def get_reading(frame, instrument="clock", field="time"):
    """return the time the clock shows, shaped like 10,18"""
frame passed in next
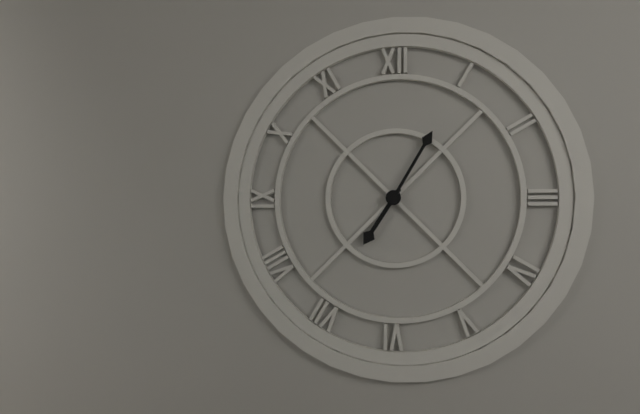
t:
7,05
